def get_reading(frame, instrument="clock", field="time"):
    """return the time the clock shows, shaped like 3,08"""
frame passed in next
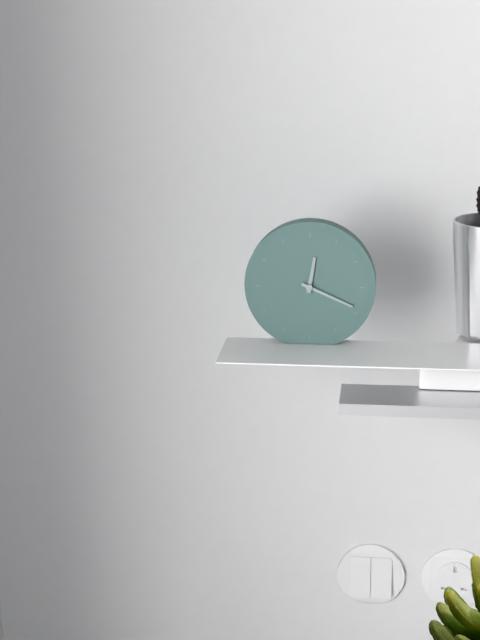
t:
12,19
